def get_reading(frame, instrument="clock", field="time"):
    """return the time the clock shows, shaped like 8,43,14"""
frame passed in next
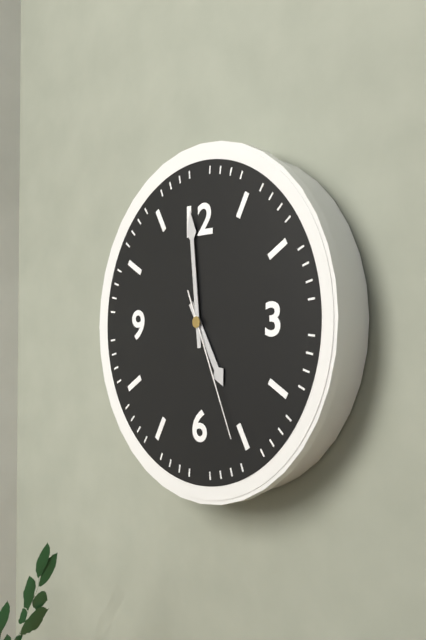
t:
4,59,26
